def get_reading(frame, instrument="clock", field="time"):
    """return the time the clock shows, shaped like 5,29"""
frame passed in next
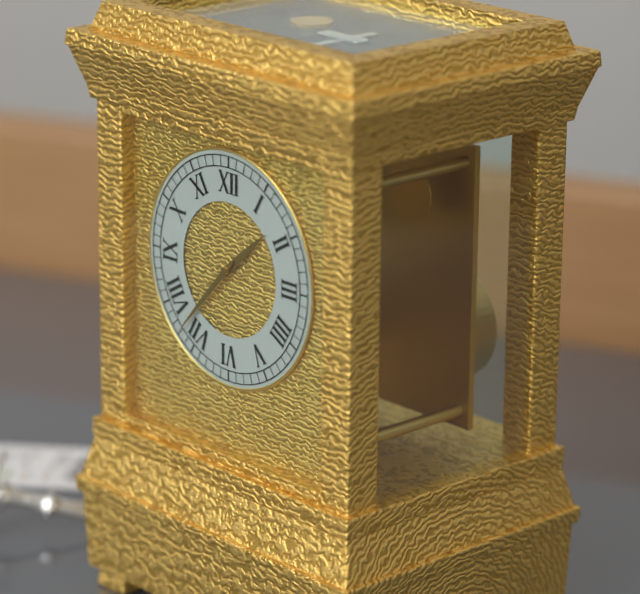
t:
1,37
